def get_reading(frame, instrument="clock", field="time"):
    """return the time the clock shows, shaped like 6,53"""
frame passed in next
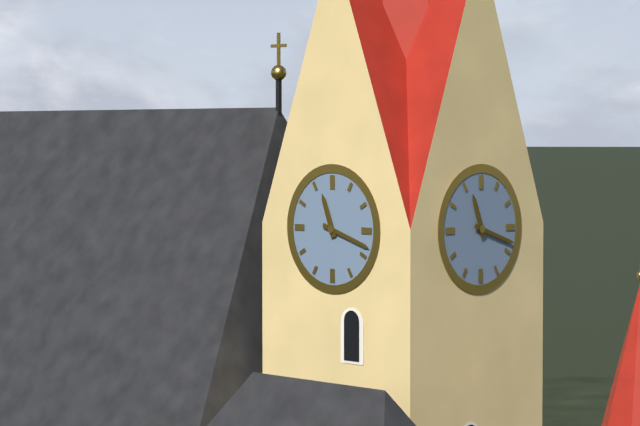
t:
11,18
